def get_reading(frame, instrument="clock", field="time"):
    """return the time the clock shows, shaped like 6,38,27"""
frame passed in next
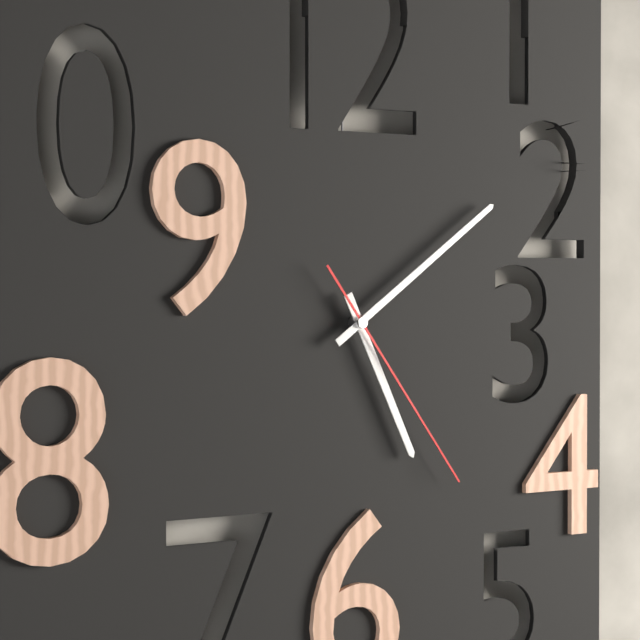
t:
5,09,24
